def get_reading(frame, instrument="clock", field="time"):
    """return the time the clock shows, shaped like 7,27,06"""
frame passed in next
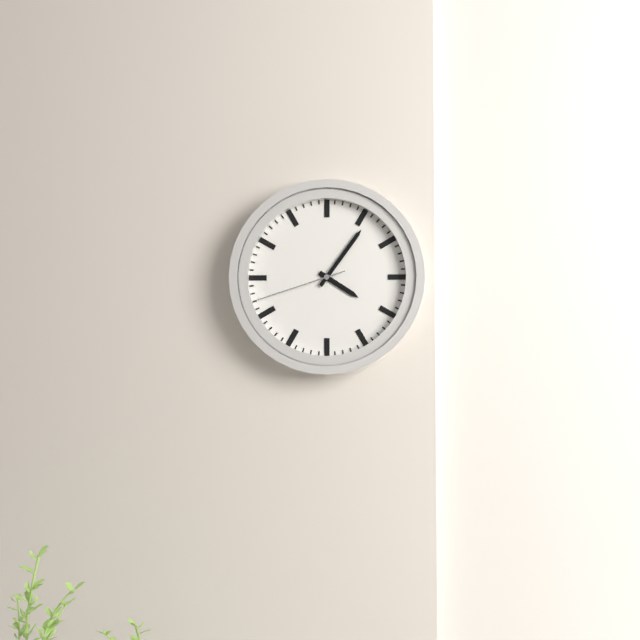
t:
4,06,42
